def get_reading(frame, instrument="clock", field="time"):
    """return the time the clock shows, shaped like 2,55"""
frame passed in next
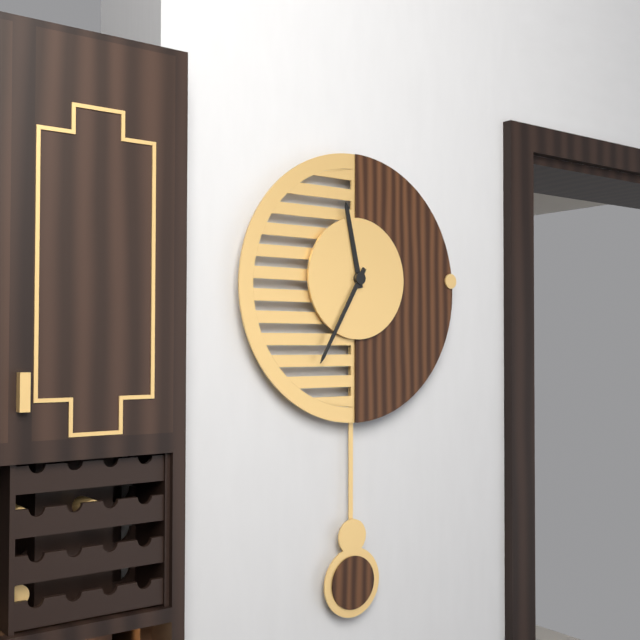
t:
11,35
